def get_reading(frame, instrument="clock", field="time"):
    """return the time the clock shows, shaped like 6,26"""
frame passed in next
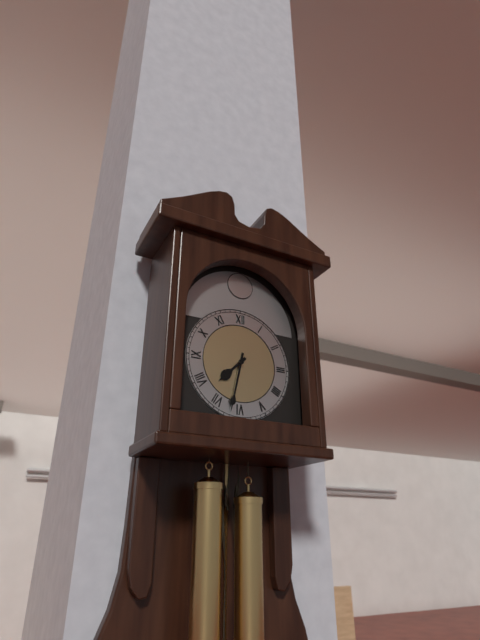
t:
7,32
